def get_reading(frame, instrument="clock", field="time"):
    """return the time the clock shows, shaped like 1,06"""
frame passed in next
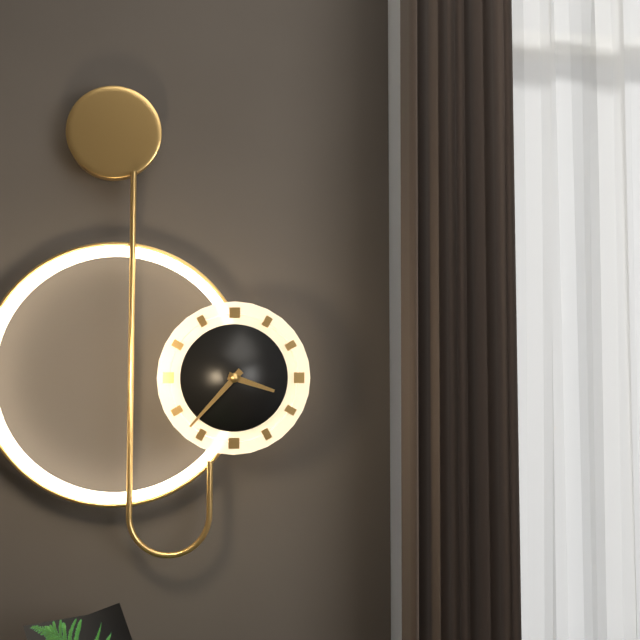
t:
3,37
